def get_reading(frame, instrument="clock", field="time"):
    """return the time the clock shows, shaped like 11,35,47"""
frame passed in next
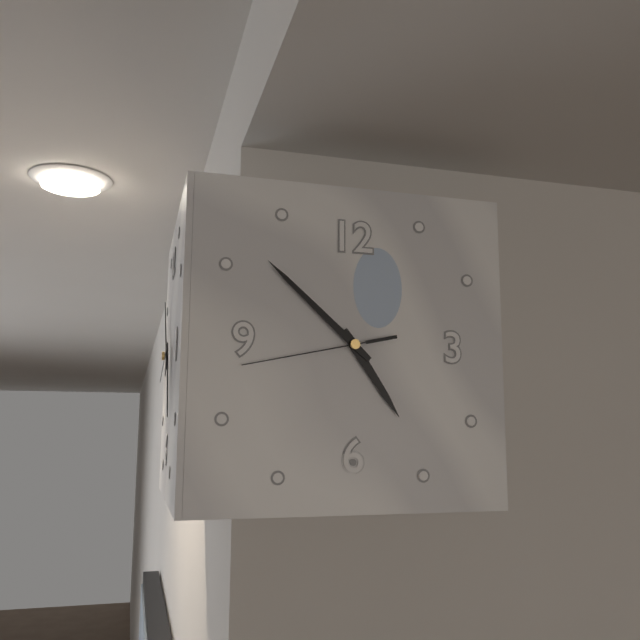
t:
4,52,43
